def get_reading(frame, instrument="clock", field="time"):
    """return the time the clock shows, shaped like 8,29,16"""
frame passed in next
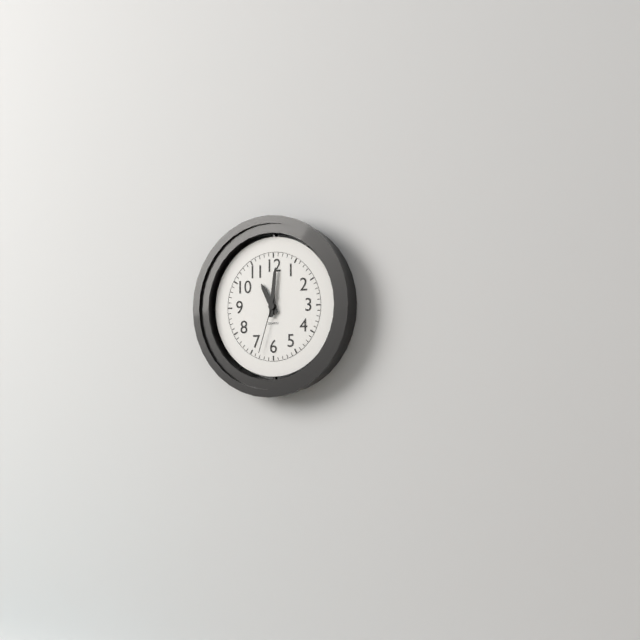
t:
11,01,33
